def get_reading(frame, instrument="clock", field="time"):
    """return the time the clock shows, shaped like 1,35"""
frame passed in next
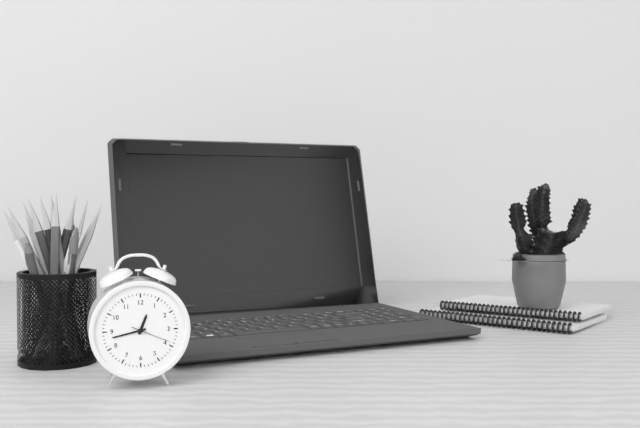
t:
12,43
